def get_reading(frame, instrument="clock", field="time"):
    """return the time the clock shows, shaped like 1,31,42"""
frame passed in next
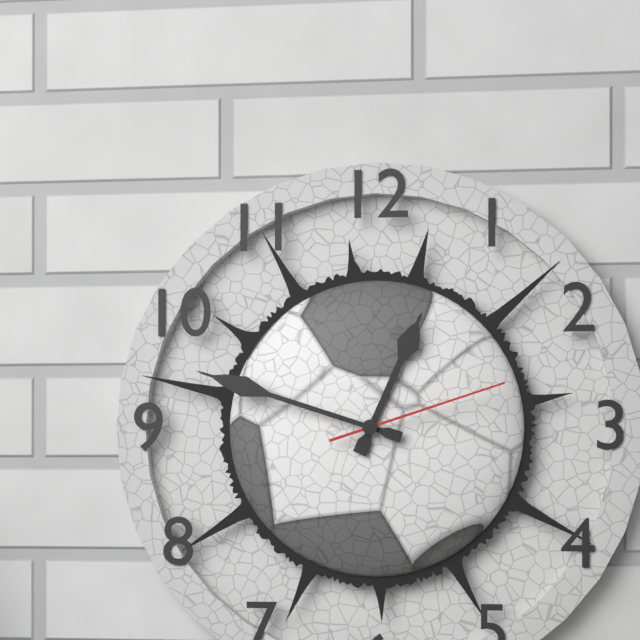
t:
12,48,12
